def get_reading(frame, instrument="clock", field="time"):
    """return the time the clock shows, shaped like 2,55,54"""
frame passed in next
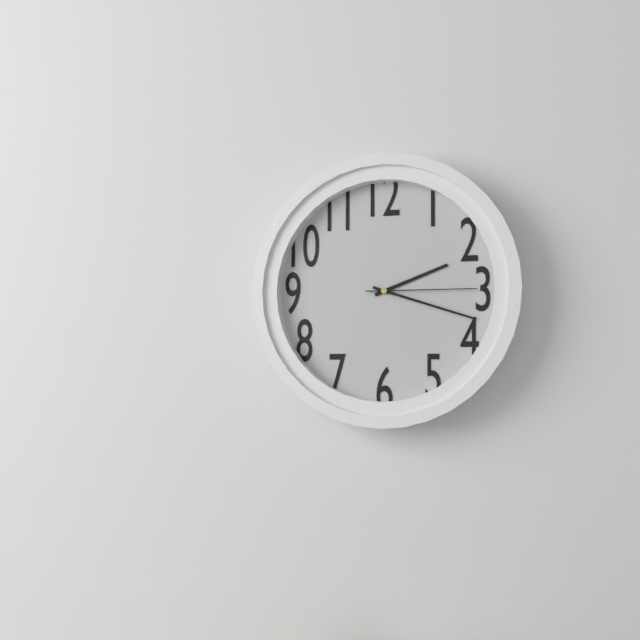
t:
2,18,15
